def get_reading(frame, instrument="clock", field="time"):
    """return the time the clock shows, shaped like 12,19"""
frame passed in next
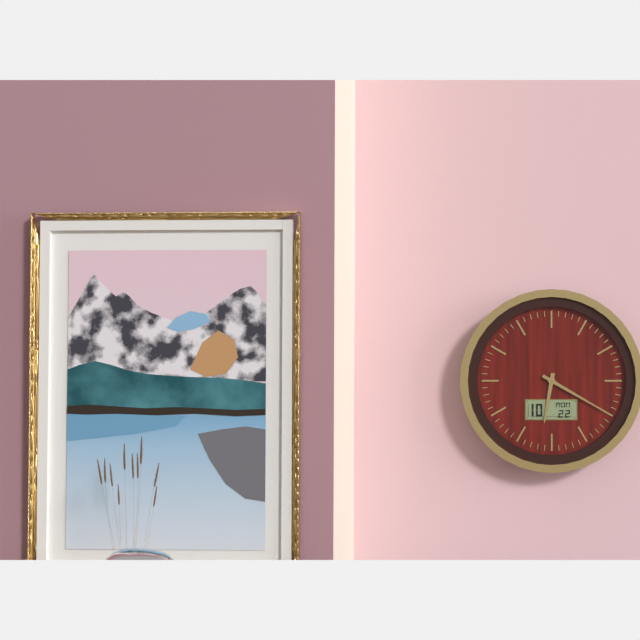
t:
6,20
